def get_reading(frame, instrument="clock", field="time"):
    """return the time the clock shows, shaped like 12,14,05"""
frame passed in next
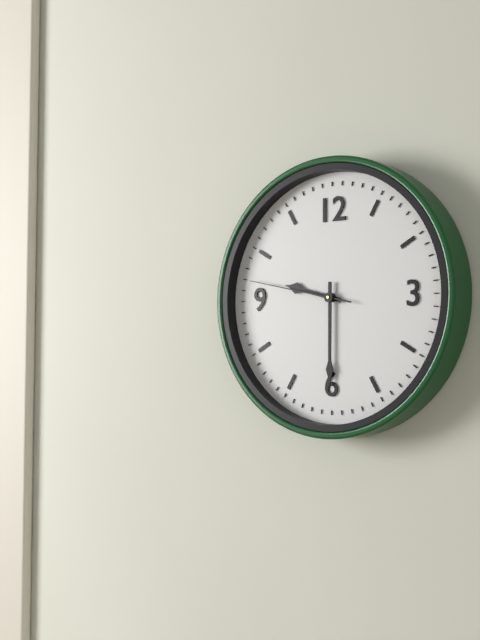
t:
9,30,47
